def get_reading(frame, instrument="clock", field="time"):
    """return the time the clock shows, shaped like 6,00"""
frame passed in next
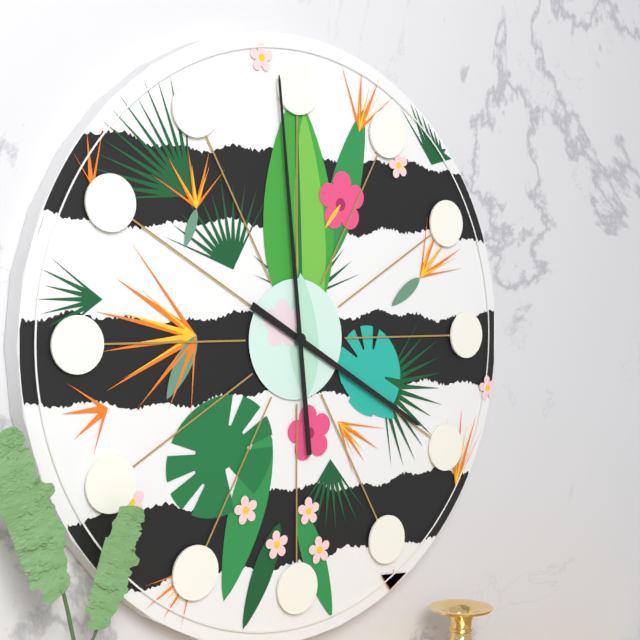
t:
3,59
